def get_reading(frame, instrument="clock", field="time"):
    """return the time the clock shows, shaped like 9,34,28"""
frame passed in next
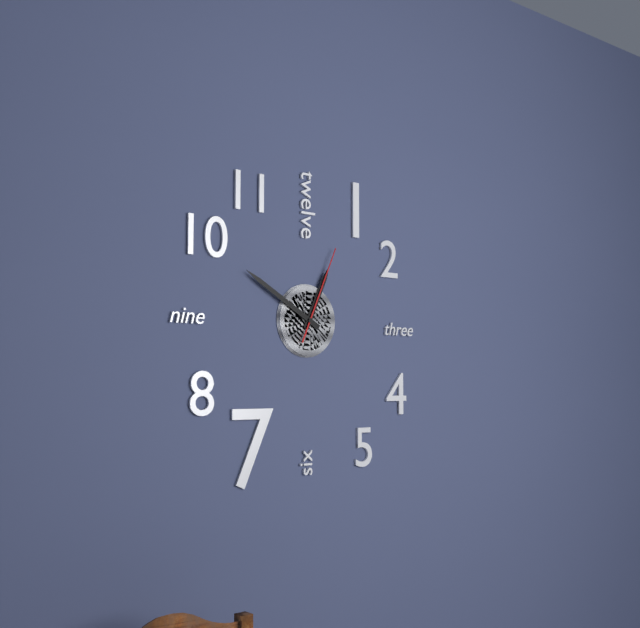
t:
12,50,04
